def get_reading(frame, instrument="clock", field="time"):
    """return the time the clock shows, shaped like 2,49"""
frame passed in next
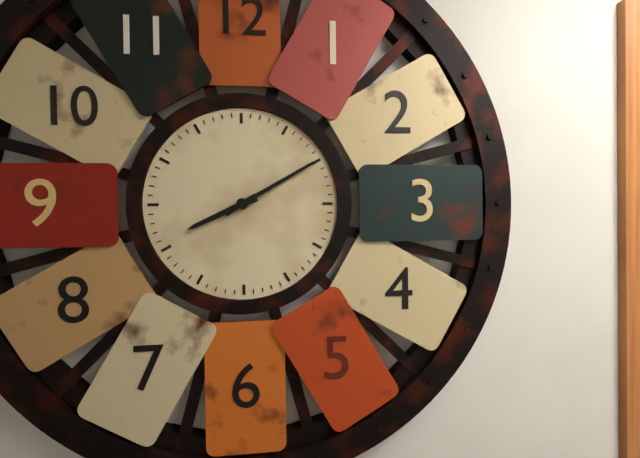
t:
8,10
